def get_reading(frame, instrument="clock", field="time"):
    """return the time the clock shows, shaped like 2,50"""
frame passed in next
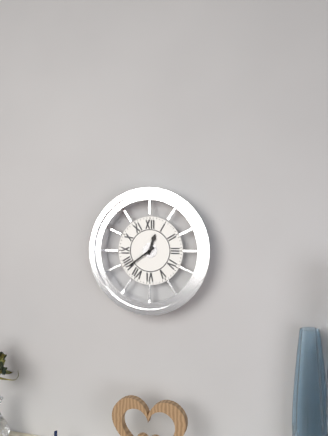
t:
12,39
